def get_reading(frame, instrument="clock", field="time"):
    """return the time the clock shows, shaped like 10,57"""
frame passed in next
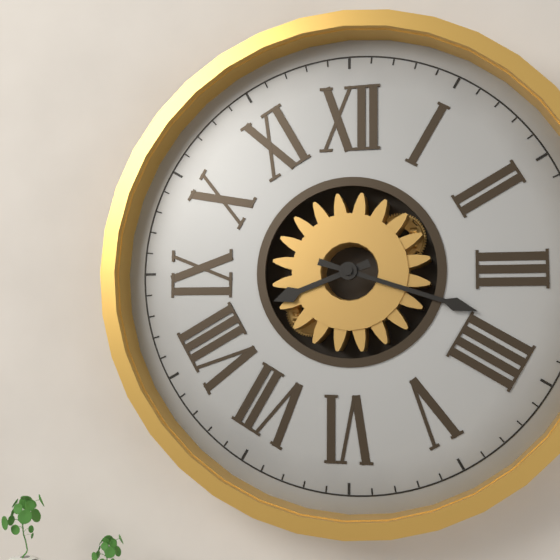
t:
8,18
